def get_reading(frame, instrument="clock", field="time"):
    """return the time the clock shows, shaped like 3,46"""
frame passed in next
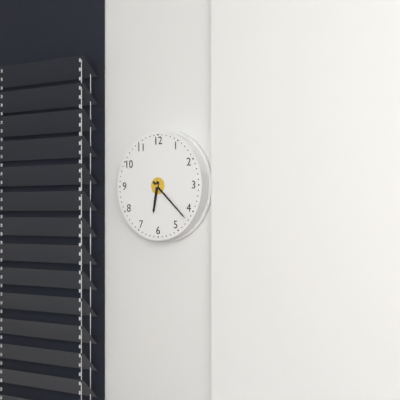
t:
6,22
